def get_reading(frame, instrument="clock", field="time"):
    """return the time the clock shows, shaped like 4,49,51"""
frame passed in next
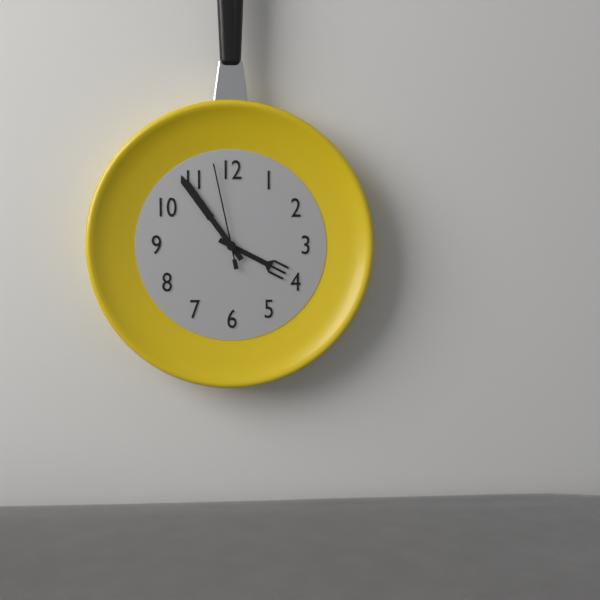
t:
3,54,58
